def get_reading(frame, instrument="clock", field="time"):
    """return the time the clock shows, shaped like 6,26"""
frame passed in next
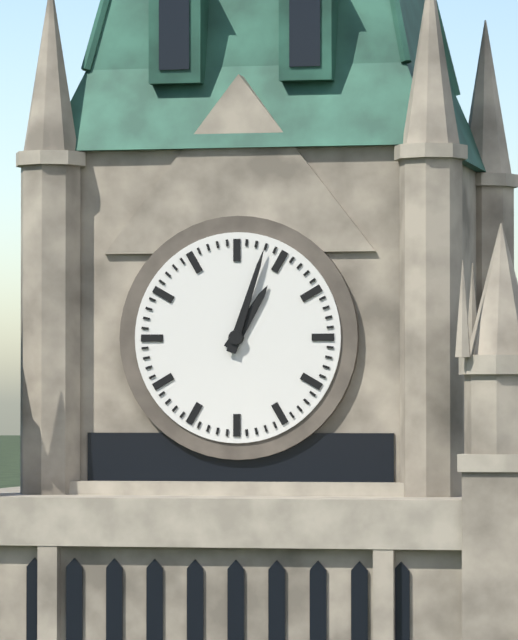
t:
1,03
